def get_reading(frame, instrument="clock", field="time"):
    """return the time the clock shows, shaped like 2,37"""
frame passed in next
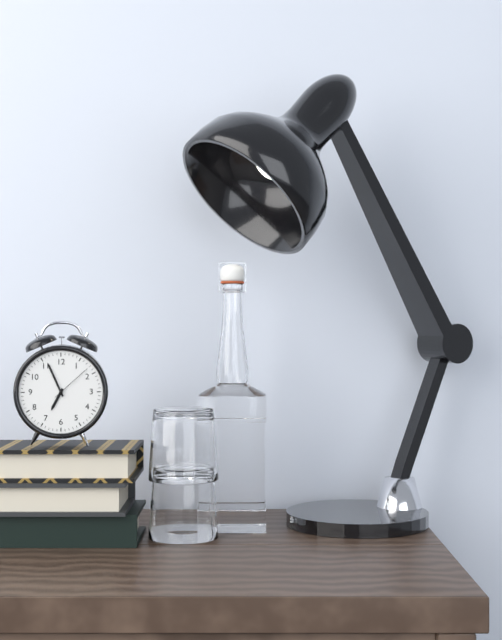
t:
6,56
